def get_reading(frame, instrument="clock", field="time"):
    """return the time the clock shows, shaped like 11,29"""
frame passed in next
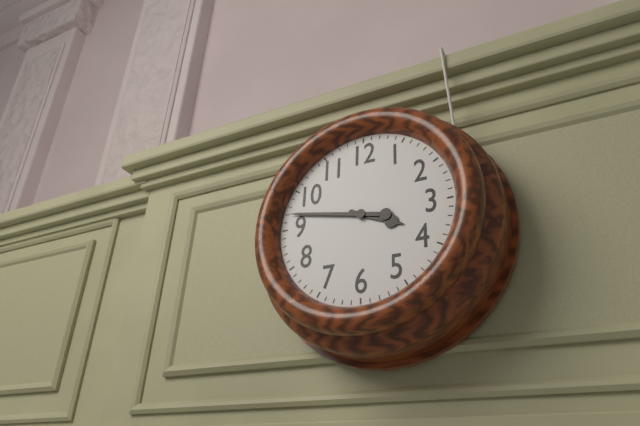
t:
3,47
